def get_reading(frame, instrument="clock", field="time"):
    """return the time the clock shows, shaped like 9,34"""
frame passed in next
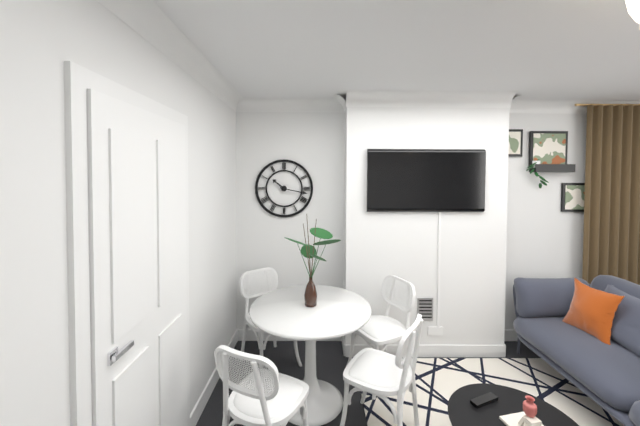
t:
10,17
